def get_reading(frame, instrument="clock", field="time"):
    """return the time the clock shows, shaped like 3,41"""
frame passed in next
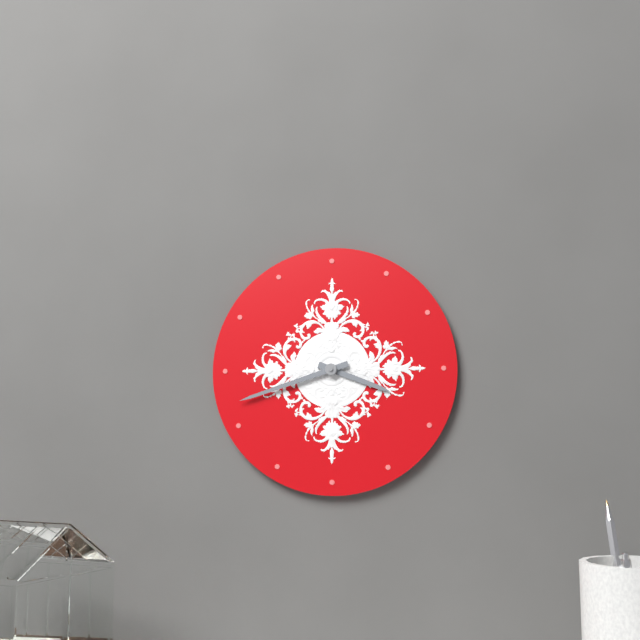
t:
3,42
